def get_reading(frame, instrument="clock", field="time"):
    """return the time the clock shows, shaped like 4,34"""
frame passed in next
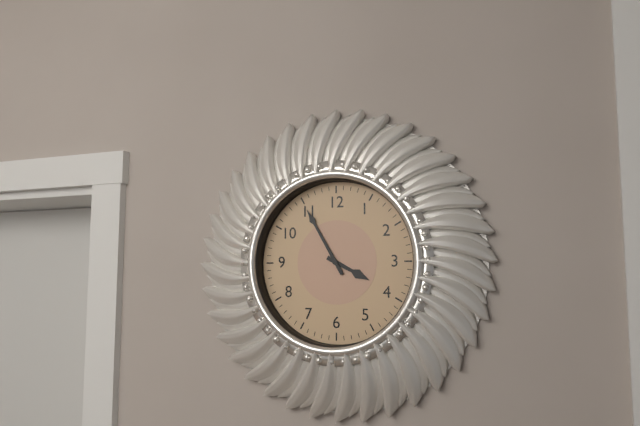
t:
3,55
